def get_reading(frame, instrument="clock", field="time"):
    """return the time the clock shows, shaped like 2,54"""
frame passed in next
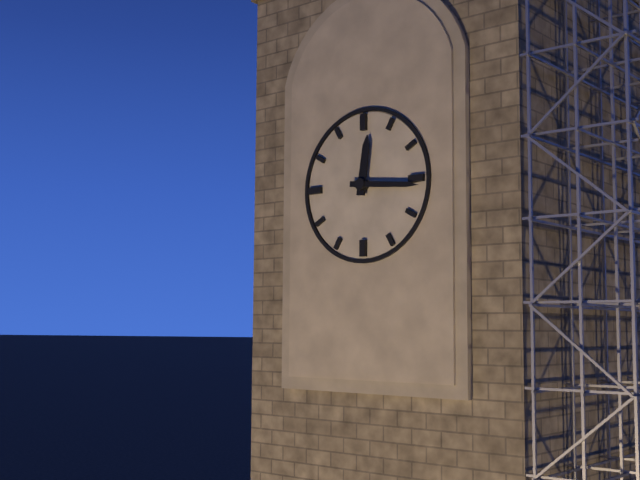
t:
12,16
